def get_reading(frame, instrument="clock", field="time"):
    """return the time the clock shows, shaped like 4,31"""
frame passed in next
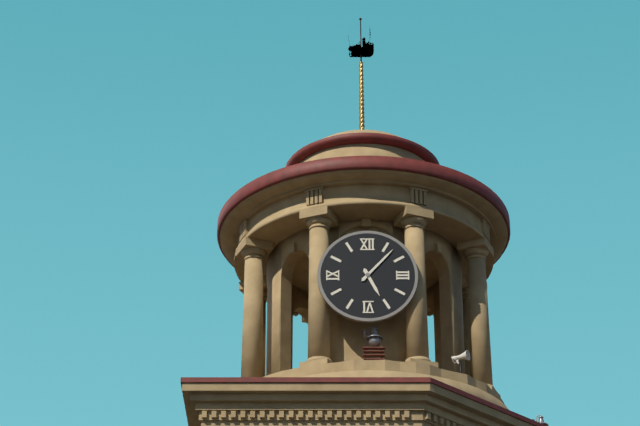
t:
5,07
